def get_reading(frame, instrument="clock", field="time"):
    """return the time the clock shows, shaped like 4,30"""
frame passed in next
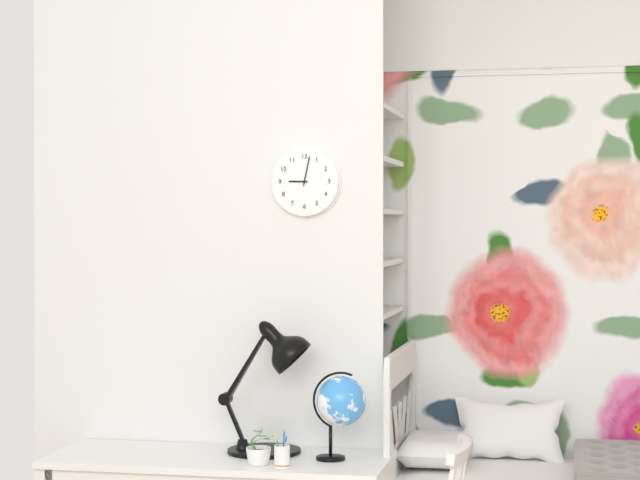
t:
9,02
